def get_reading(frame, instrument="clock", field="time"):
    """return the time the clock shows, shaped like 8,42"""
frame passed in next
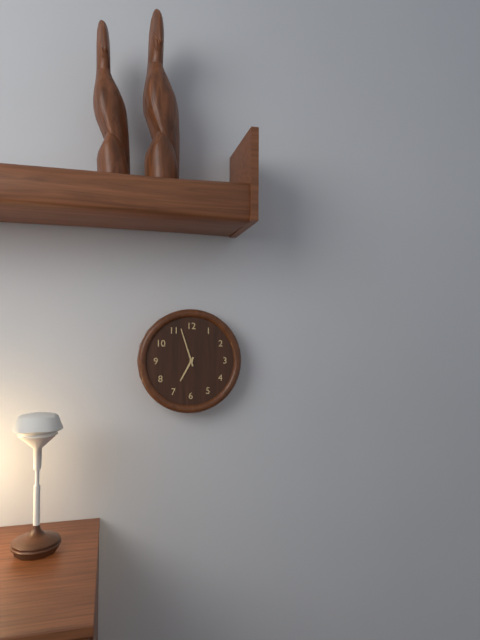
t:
6,57
